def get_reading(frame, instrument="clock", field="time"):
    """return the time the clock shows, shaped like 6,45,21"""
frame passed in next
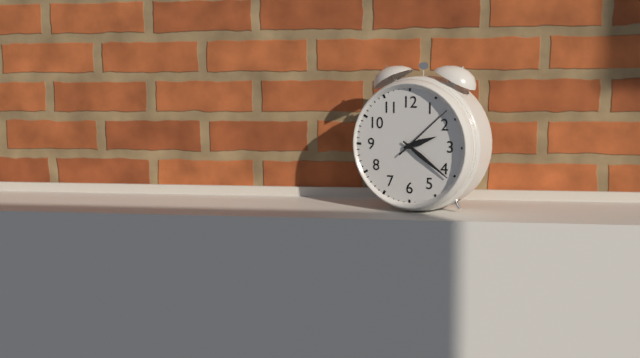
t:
2,21,08
